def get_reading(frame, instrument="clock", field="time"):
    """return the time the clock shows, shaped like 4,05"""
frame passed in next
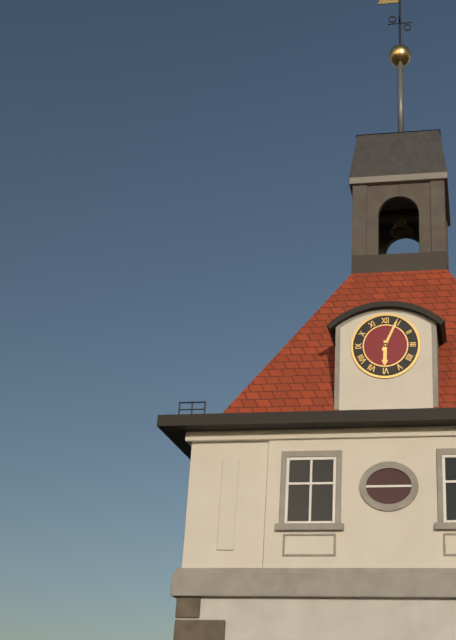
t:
6,04
